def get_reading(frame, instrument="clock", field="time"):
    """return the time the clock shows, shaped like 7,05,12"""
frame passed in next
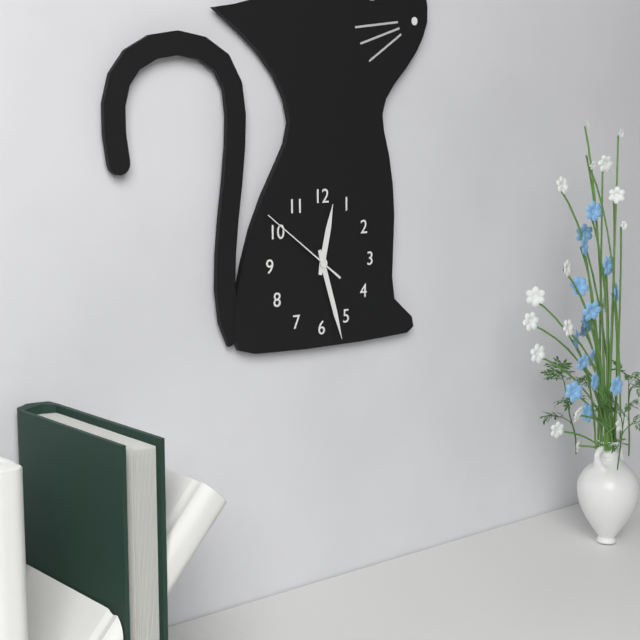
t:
12,27,51
